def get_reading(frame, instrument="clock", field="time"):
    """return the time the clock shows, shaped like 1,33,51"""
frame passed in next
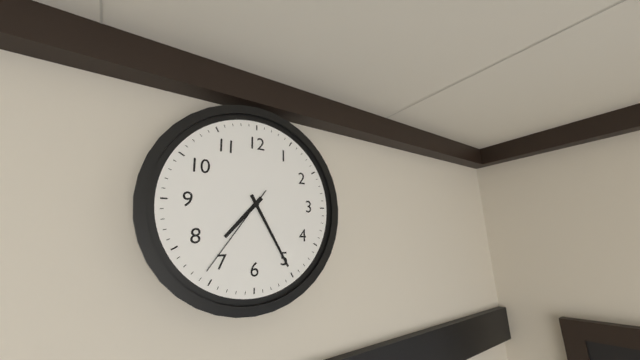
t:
7,25,36
